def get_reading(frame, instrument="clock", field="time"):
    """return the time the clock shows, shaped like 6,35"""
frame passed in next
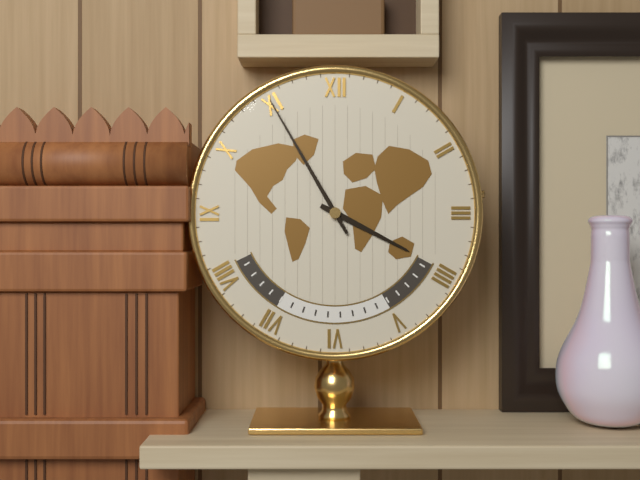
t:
3,55
